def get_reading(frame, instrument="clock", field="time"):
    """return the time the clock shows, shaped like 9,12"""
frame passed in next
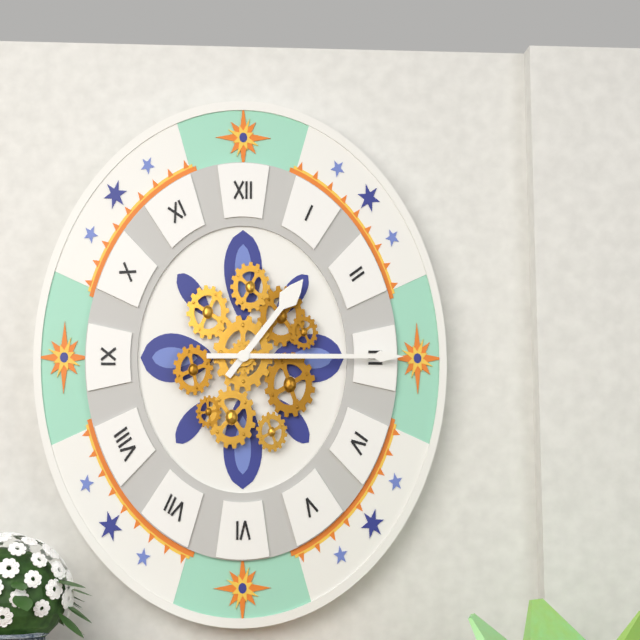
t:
1,15
